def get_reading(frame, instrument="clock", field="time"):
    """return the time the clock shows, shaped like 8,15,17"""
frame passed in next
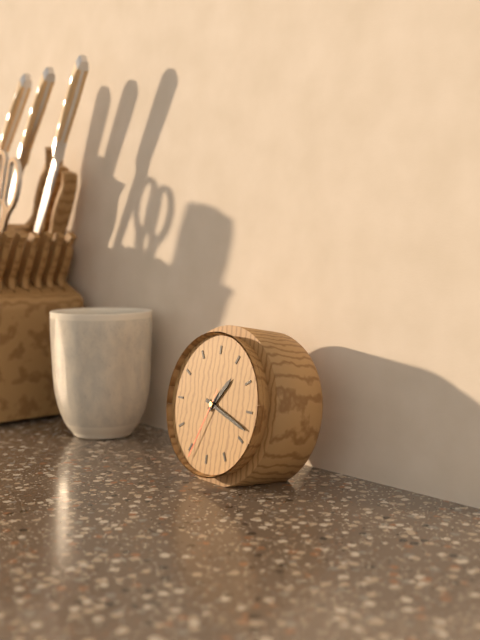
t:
1,18,34
